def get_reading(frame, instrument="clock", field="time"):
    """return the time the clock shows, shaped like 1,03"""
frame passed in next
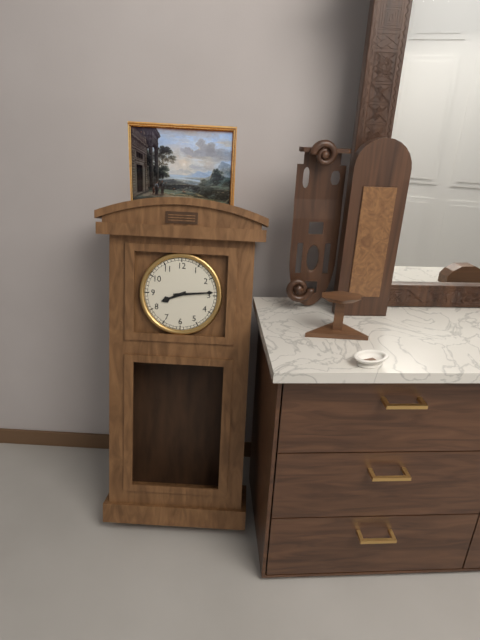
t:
8,14
